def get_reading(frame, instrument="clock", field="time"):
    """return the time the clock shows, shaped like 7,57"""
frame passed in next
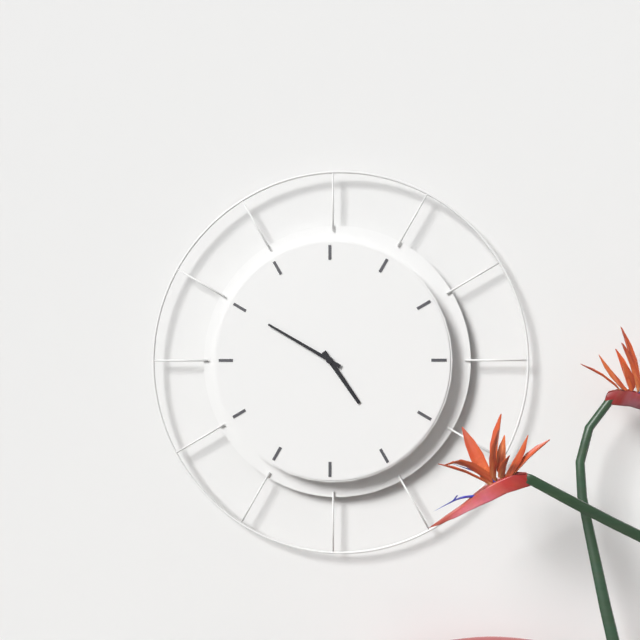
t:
4,50
